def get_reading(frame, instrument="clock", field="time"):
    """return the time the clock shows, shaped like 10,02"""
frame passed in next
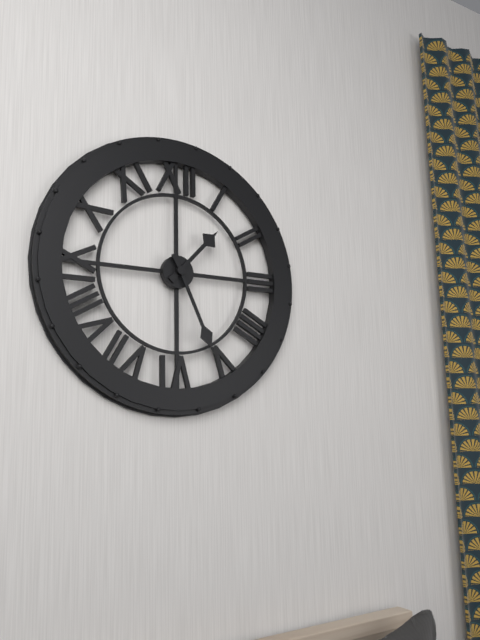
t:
1,26
